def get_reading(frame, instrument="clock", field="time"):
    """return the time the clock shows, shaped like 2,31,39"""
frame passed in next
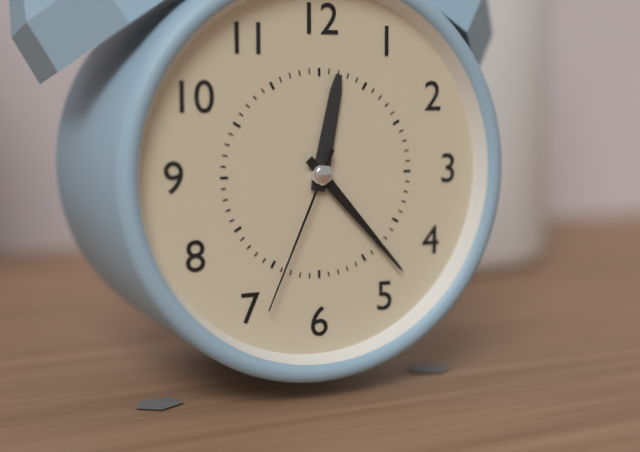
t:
12,23,34
